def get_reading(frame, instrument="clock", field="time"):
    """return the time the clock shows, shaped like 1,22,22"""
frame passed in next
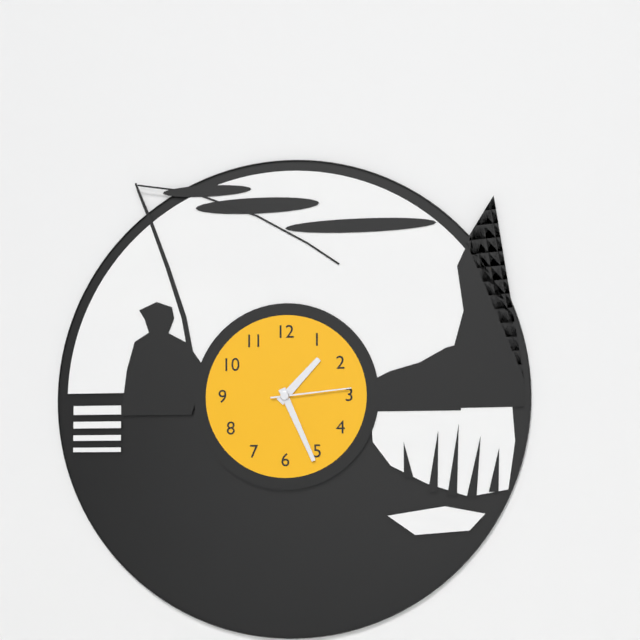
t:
1,26,14
